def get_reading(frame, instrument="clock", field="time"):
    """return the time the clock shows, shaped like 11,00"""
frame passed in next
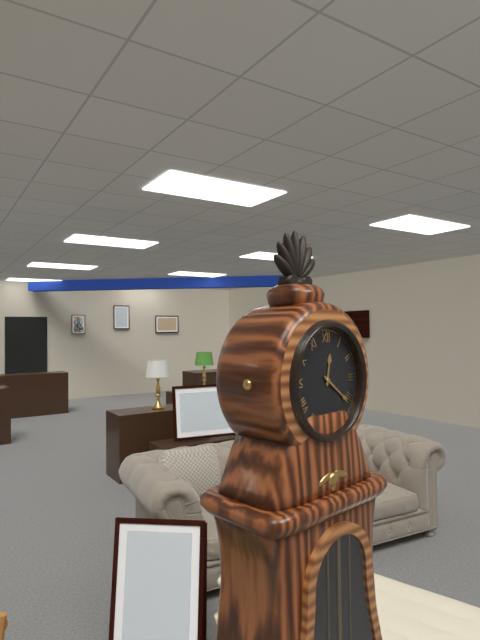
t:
12,21
